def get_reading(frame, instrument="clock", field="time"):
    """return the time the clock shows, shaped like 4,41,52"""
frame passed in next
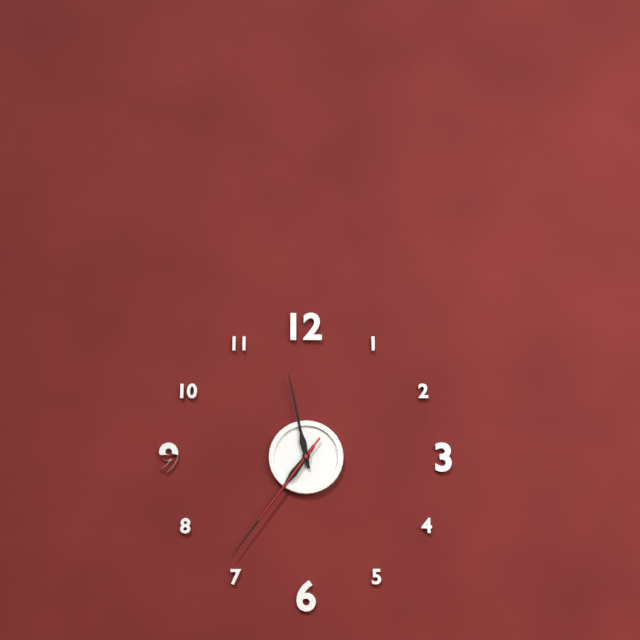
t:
11,36,36
